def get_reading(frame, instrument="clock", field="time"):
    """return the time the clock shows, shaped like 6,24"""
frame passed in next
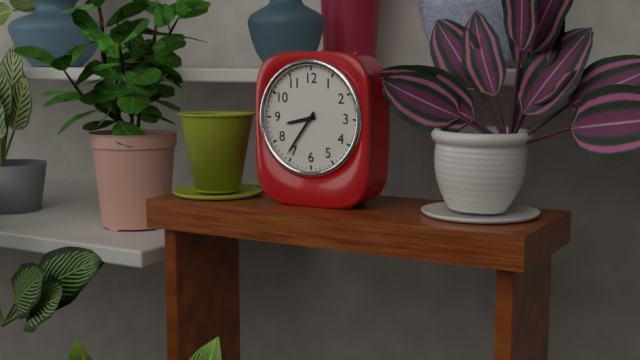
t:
8,36
